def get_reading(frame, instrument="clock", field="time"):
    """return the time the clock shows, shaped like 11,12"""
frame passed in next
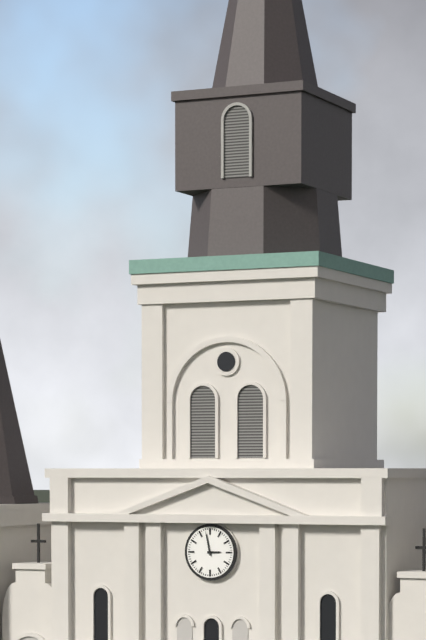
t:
2,58
